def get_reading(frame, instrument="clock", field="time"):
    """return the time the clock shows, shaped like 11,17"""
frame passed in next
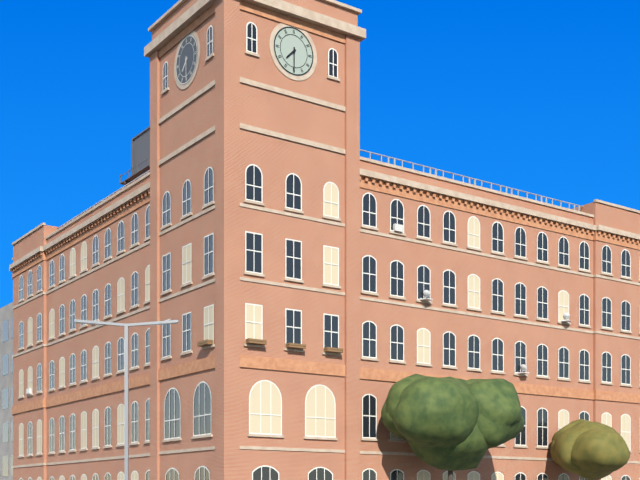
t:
7,30
